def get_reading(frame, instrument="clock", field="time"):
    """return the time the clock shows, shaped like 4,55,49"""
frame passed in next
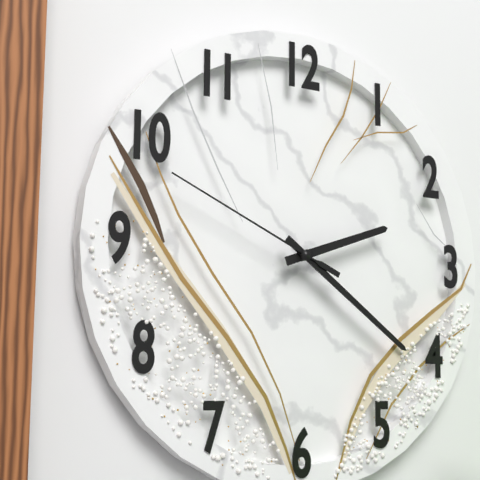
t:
2,21,49
